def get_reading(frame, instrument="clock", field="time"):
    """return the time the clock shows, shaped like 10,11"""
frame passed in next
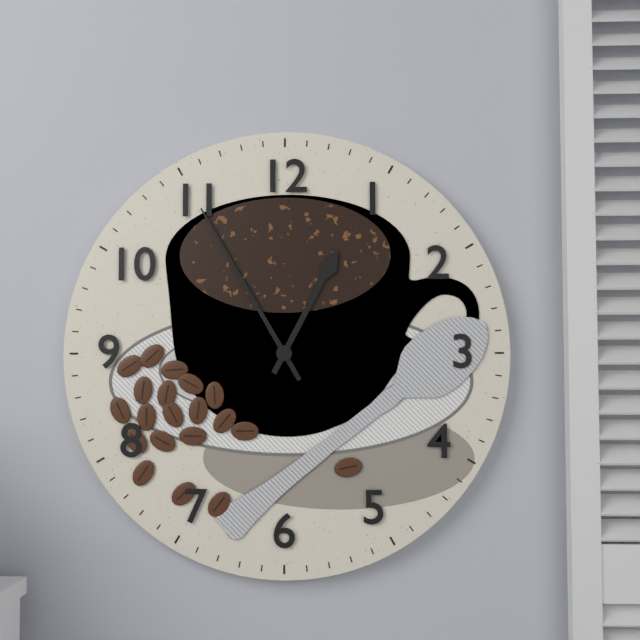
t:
12,55
